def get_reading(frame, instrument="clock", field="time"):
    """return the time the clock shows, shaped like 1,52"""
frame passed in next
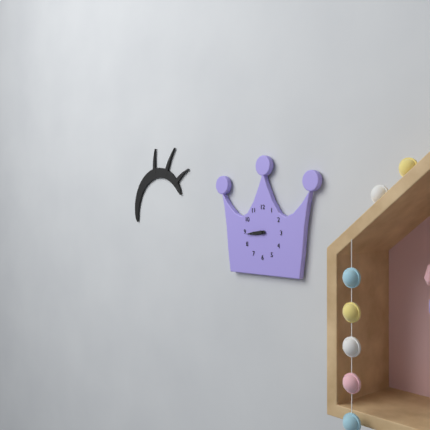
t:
8,44
